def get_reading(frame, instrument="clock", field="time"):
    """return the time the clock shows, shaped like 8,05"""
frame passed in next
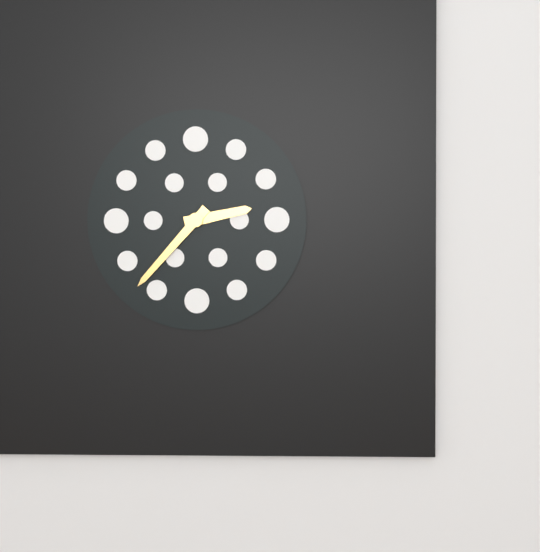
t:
2,37
